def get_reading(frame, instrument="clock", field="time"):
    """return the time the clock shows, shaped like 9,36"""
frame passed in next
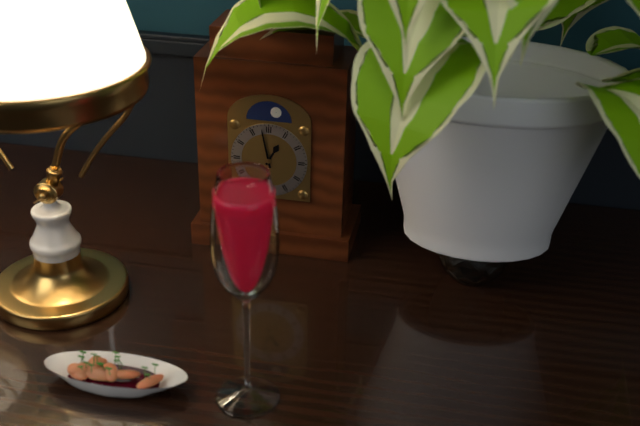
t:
12,58
